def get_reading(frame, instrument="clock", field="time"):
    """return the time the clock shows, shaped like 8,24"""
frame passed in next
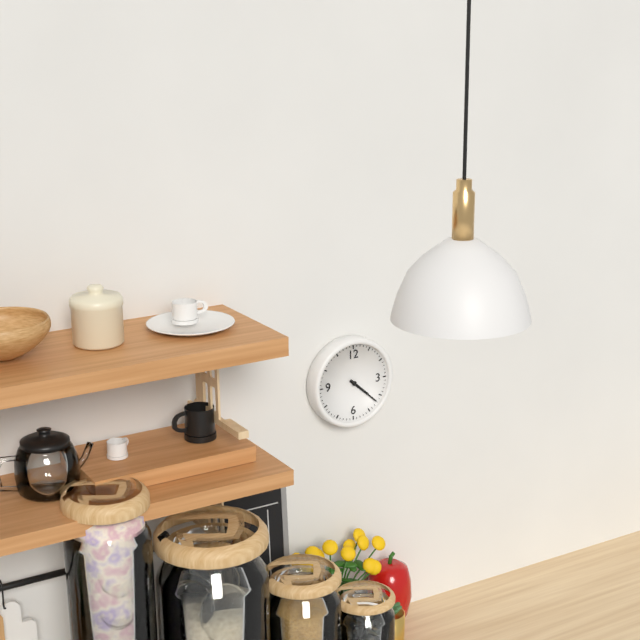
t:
4,22
